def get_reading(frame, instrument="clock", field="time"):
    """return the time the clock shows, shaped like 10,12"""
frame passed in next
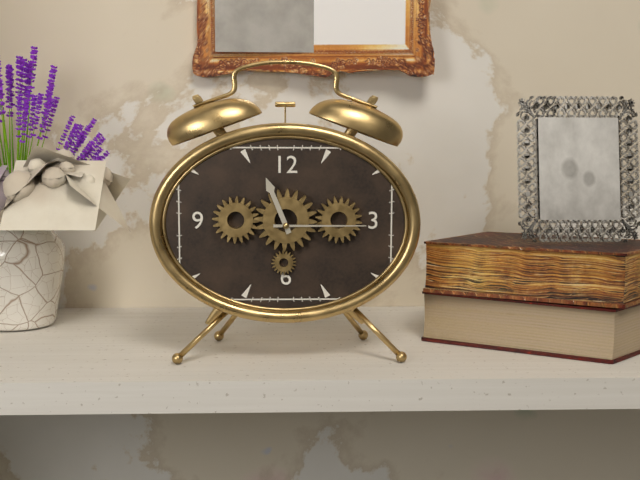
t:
11,15
